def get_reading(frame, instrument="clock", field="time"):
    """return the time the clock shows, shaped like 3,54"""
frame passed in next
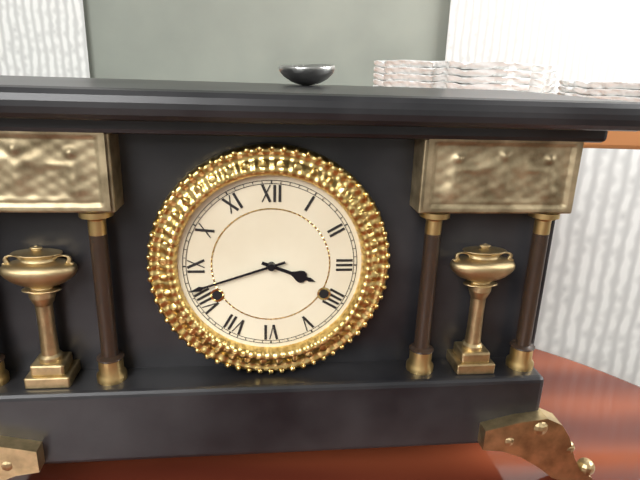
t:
3,42
